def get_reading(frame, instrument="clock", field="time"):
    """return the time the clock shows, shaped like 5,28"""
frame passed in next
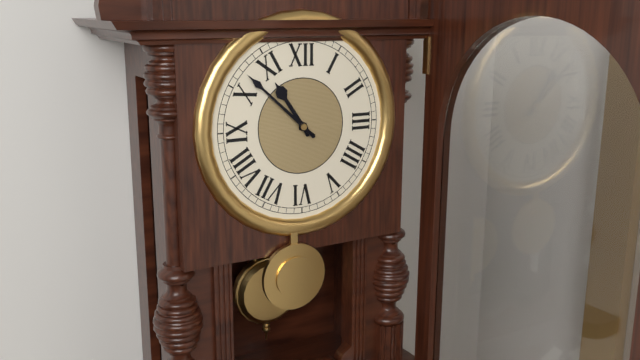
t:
10,52
